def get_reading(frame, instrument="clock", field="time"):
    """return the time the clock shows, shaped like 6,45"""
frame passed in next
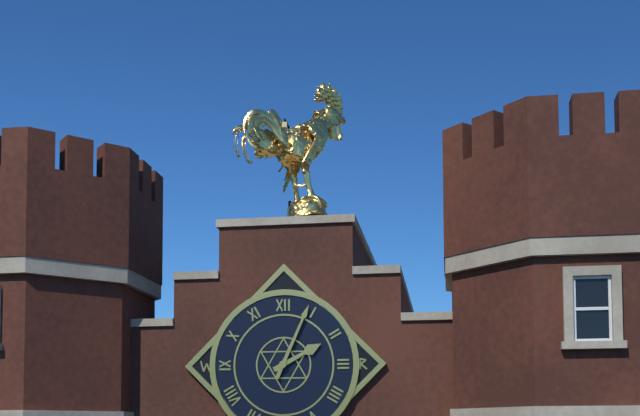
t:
2,04
